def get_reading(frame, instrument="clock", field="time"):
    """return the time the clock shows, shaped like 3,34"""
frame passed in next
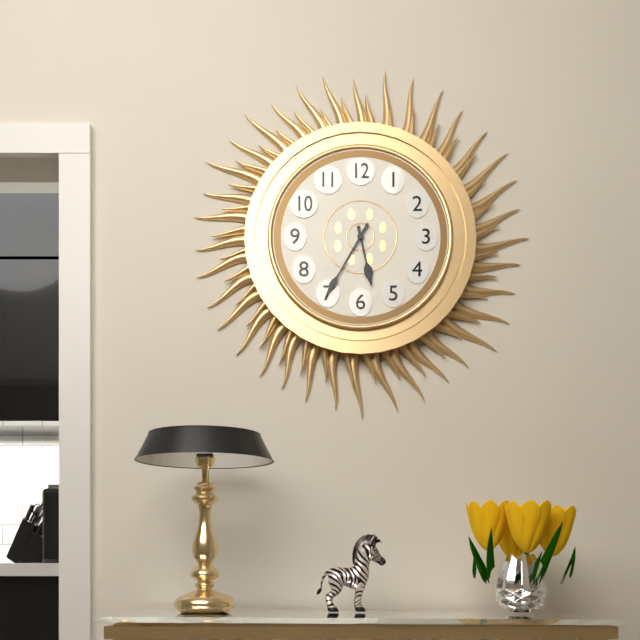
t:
5,35
